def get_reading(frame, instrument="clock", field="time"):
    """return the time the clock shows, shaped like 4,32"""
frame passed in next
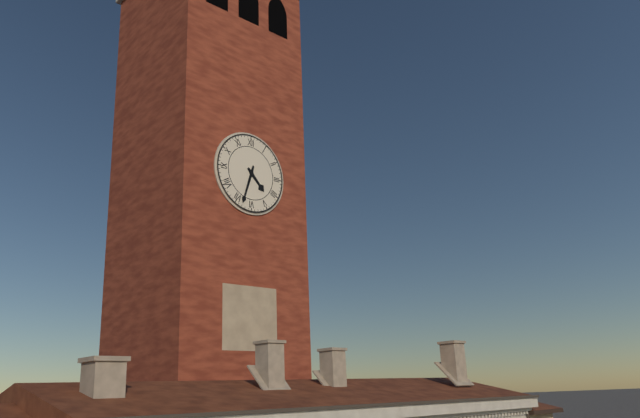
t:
4,33
